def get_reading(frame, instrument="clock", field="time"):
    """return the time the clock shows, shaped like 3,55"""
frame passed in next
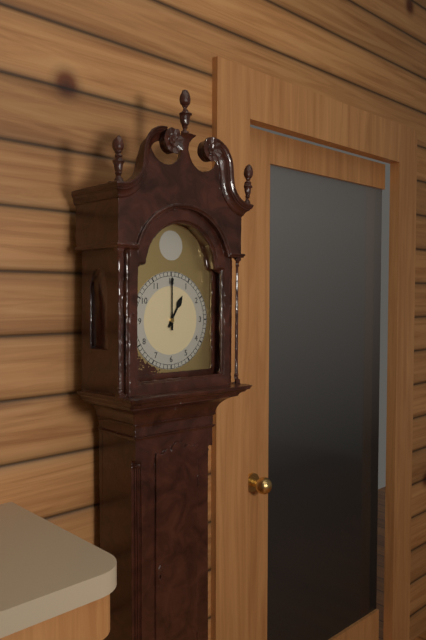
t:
1,00
